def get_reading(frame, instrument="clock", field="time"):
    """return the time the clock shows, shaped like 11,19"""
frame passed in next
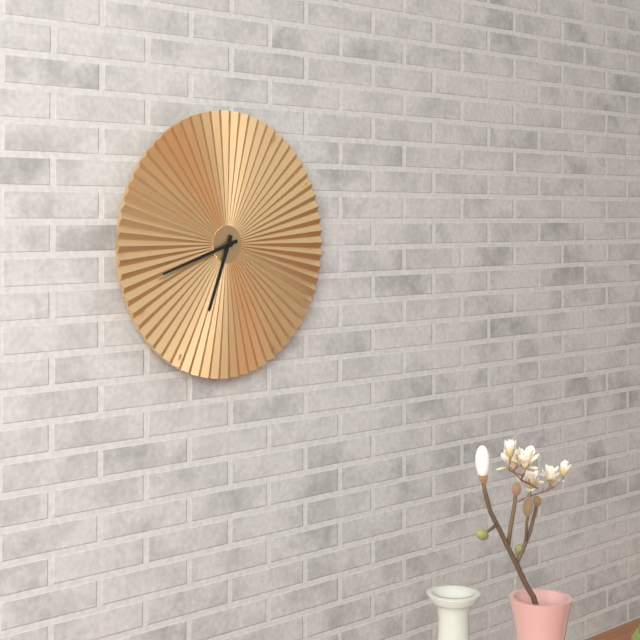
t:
6,42
